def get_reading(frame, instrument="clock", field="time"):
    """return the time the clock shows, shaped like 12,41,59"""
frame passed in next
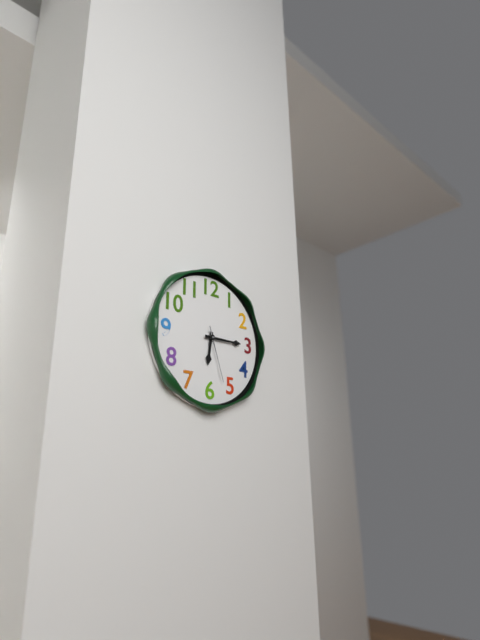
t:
6,15,27
